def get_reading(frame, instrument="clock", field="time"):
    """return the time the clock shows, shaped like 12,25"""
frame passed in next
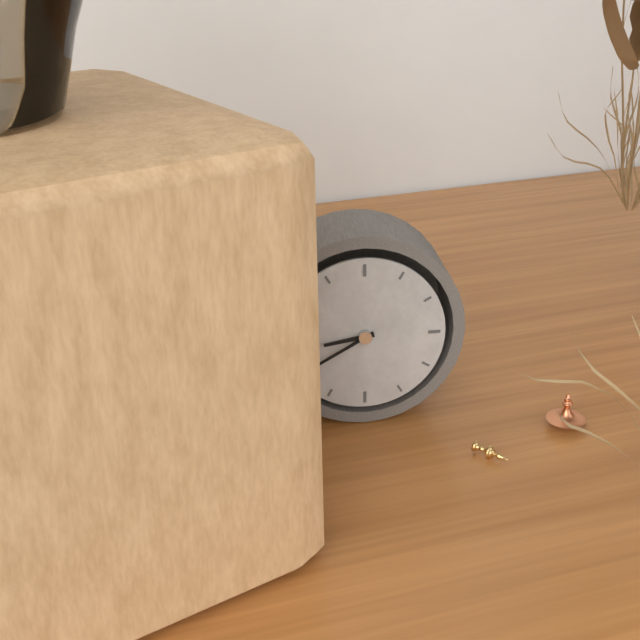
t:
8,40
